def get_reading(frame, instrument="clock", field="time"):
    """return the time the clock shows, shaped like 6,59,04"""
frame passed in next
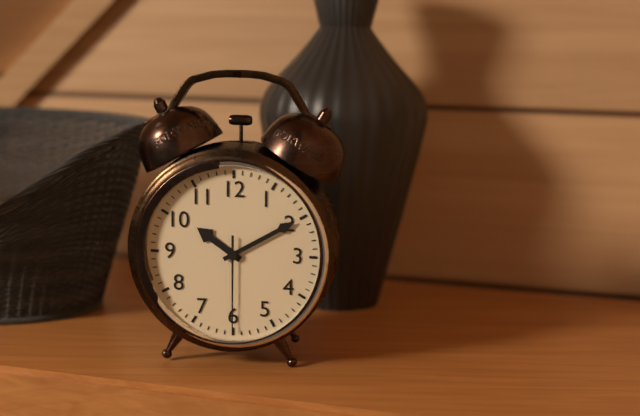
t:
10,10,30
